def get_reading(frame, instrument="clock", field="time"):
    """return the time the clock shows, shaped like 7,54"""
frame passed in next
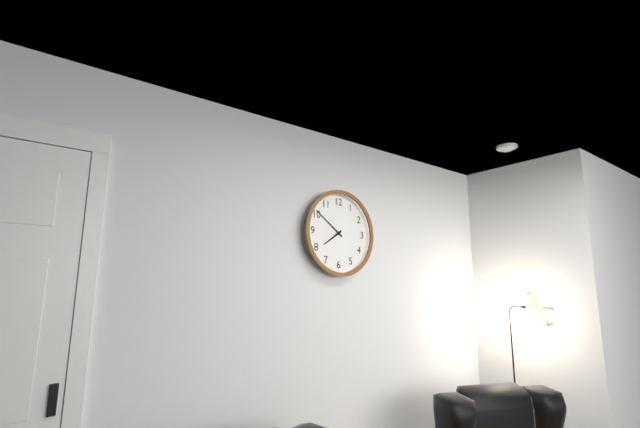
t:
7,51
